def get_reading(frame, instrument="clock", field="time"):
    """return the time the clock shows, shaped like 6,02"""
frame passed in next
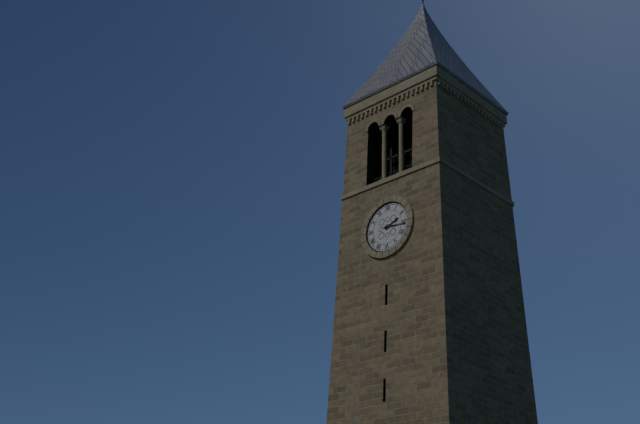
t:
2,16
